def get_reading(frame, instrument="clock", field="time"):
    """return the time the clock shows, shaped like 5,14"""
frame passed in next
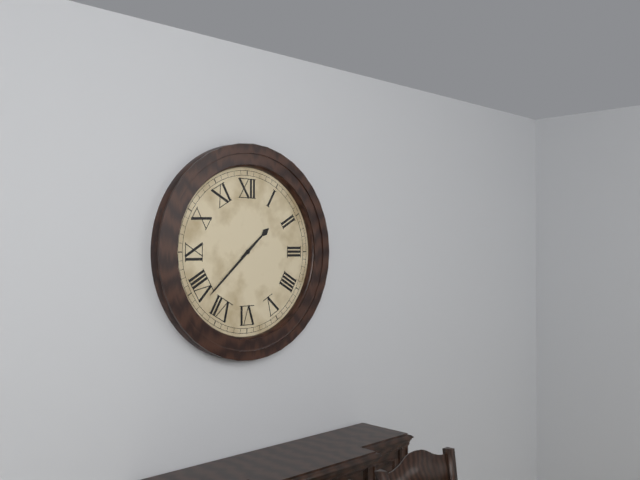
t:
1,38
